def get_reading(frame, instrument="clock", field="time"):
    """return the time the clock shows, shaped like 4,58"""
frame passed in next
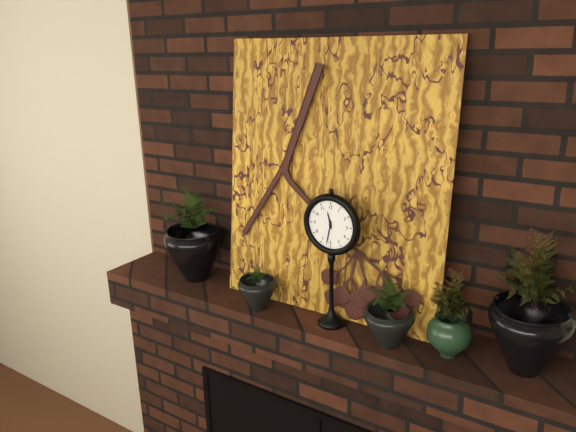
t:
11,32
